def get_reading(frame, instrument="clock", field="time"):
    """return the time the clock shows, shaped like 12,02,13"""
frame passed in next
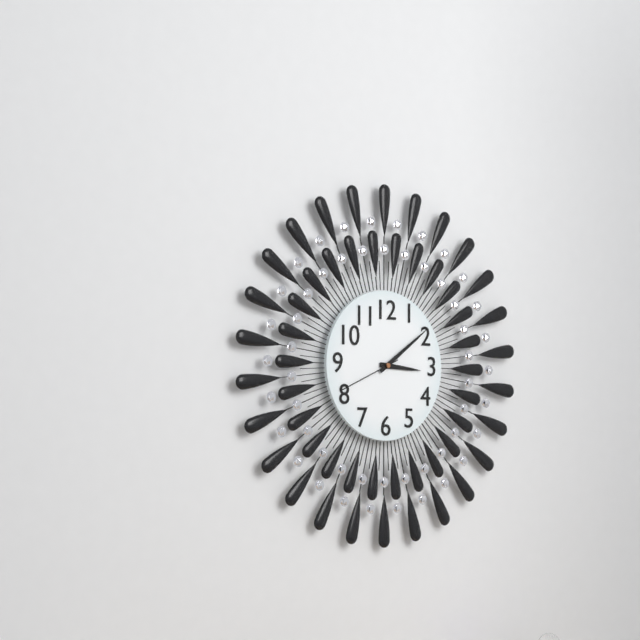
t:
3,09,41
